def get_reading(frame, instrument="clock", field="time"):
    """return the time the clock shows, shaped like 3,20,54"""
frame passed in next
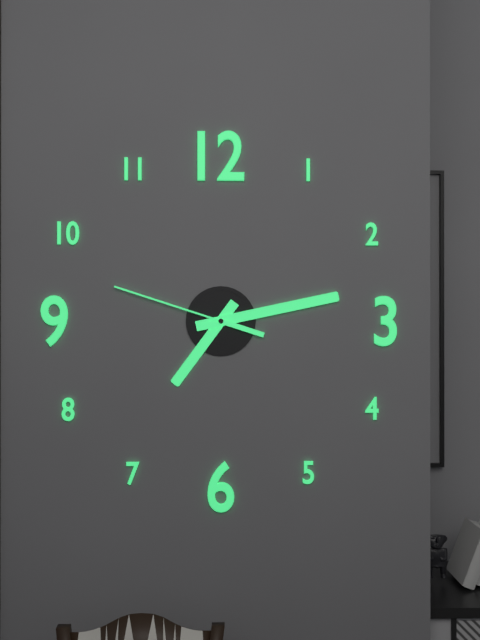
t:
7,13,48
